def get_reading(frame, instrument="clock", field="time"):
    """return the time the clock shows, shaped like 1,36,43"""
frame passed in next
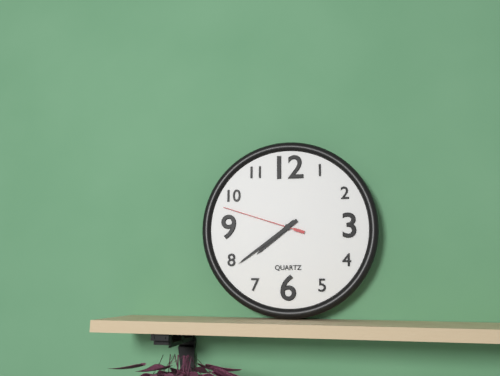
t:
7,39,48
